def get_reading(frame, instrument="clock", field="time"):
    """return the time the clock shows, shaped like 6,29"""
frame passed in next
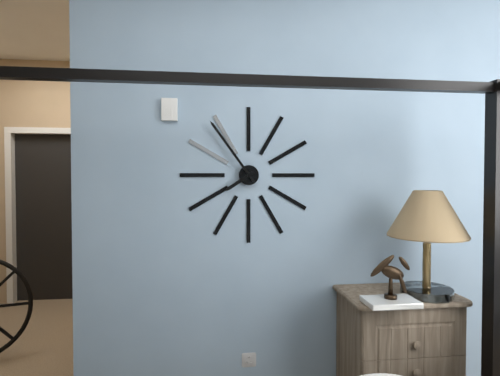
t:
7,54
